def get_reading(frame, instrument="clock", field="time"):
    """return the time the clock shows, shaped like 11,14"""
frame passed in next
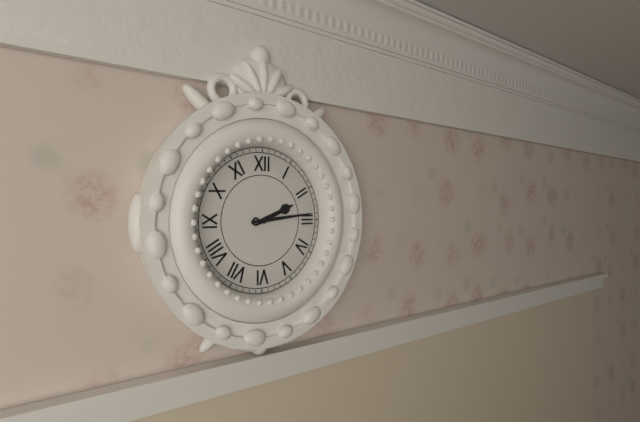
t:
2,14
